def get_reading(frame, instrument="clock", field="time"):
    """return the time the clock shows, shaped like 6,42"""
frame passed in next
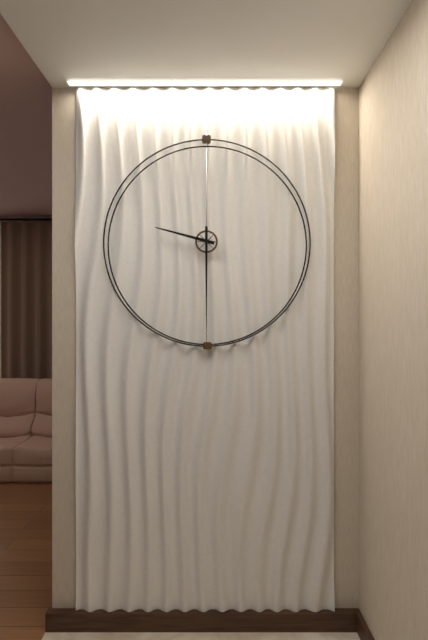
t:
9,30
